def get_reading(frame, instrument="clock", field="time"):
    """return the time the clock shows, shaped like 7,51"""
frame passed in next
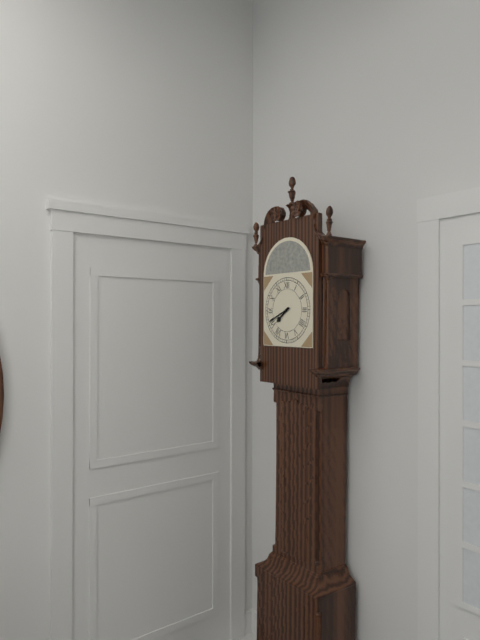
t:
7,41
